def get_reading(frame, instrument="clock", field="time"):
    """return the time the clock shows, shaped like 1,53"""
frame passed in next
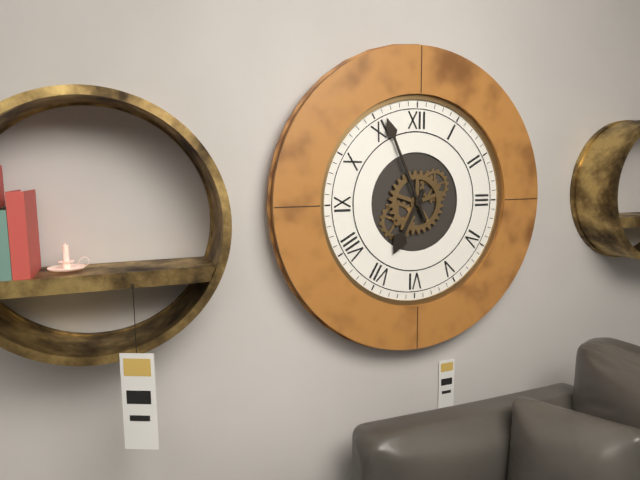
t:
6,56
